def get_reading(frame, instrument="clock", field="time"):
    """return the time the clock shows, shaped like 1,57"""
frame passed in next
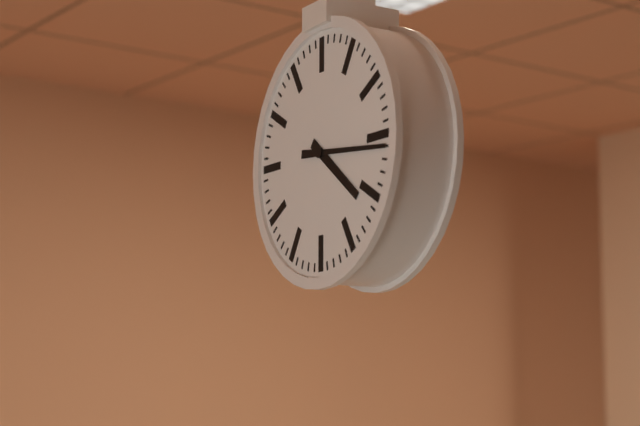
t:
4,16
